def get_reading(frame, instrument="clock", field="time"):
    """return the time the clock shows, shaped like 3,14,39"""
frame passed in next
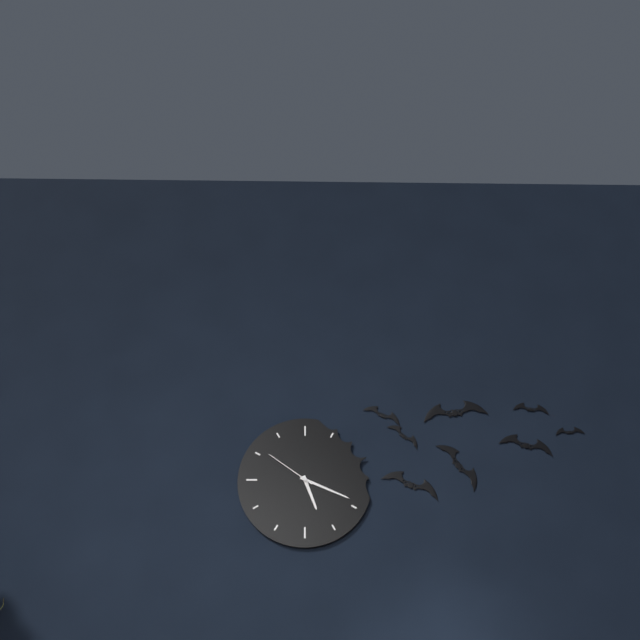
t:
5,19,51
